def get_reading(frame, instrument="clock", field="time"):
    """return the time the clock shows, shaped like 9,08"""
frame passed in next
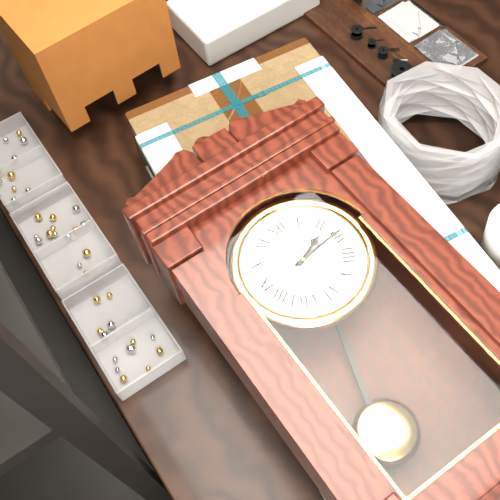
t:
2,14
